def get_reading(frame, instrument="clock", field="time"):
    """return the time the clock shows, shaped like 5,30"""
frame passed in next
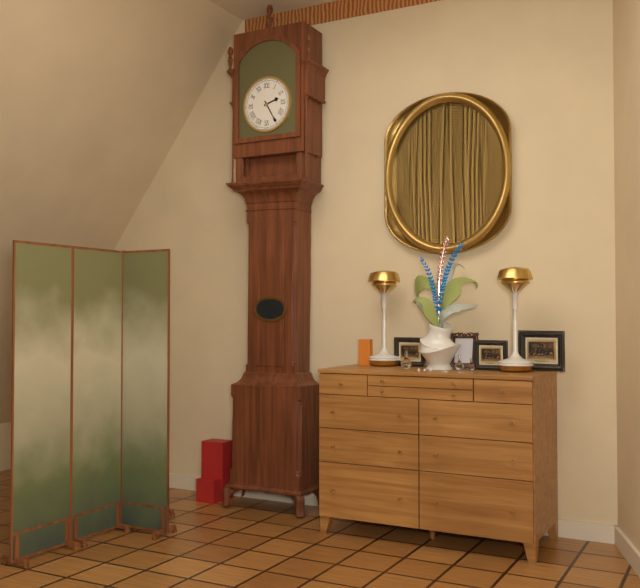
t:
2,25
